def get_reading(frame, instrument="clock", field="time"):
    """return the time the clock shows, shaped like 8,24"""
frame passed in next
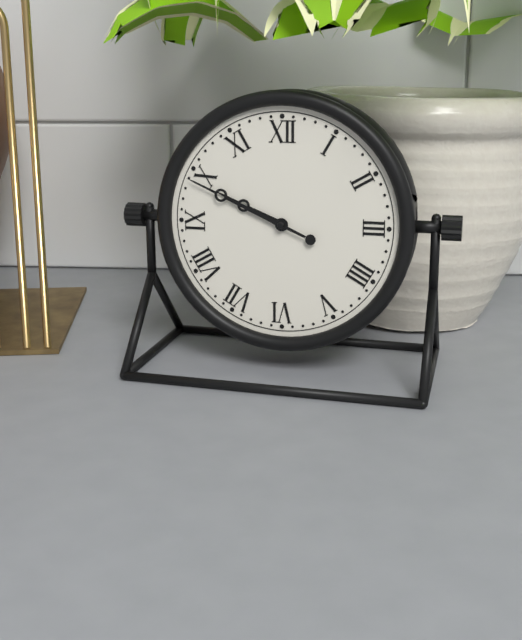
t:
9,49
